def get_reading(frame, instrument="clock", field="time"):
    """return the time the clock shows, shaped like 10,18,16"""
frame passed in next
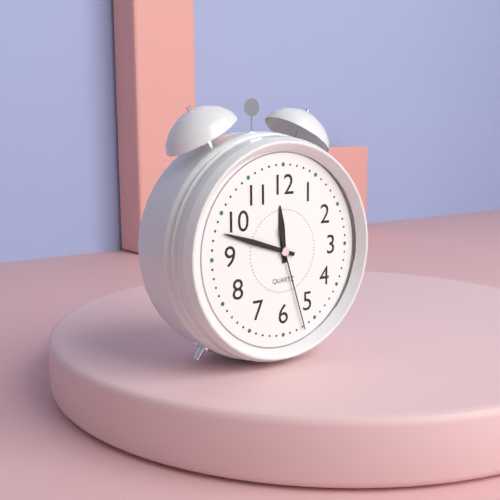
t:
11,48,27
